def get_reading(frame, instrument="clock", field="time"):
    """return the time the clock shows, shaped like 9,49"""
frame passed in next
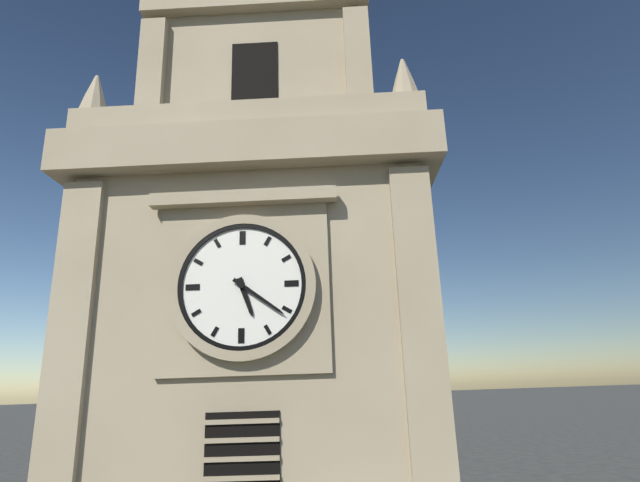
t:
5,21
